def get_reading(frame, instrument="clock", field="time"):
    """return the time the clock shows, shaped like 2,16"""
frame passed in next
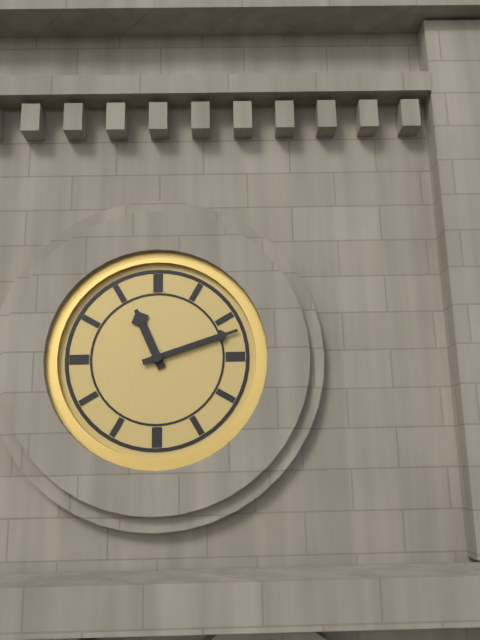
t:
11,12
